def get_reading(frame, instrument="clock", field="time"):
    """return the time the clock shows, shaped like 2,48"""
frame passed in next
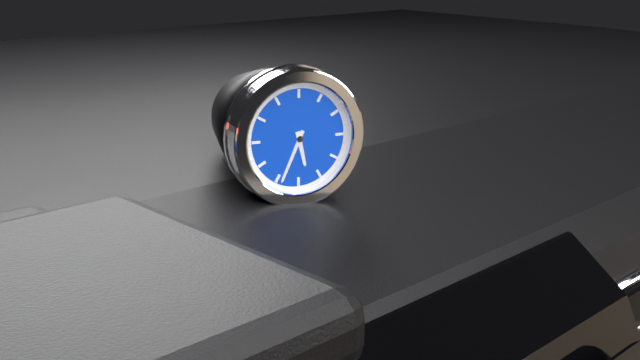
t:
5,34
